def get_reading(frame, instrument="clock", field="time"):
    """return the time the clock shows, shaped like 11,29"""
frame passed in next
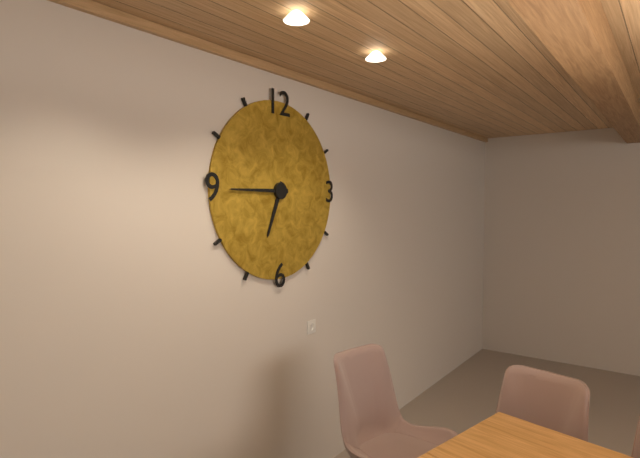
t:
6,45
